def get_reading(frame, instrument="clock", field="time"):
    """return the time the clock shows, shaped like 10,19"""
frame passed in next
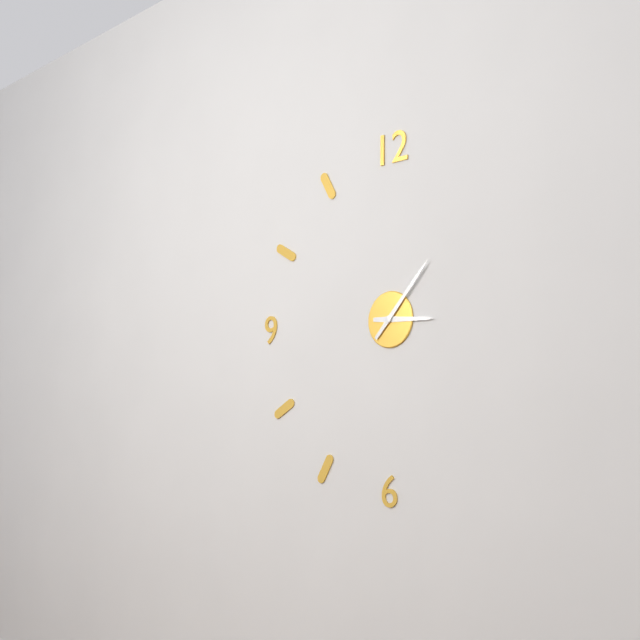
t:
3,07
